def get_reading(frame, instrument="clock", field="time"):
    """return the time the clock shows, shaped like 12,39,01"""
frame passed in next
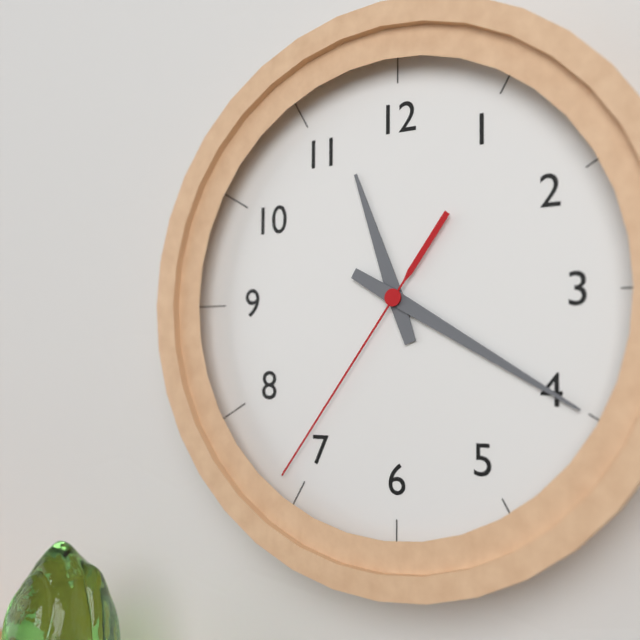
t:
11,20,36
